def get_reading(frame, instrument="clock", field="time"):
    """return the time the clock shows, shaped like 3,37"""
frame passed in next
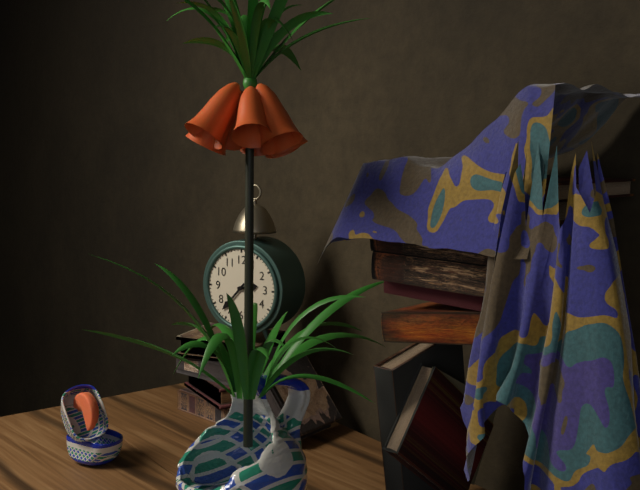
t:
2,37
